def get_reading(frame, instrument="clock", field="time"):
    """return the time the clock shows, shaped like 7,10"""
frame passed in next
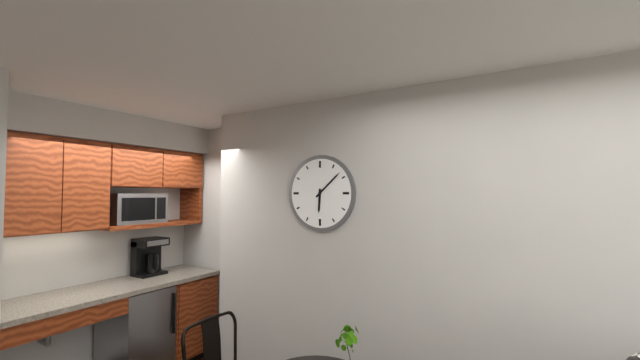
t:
6,08
